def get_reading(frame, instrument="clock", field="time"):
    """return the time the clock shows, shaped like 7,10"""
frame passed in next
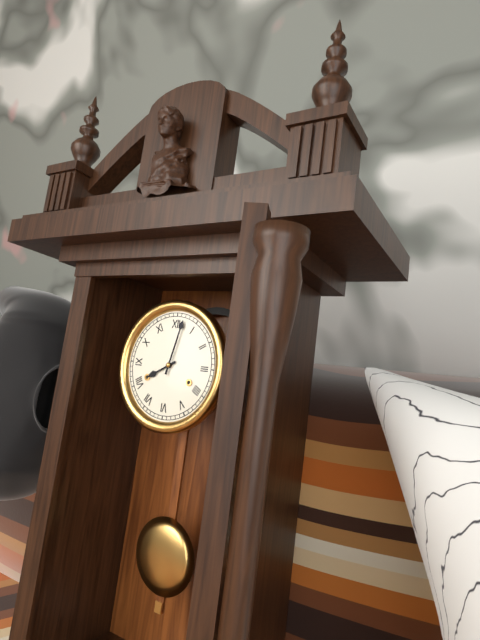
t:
8,02
